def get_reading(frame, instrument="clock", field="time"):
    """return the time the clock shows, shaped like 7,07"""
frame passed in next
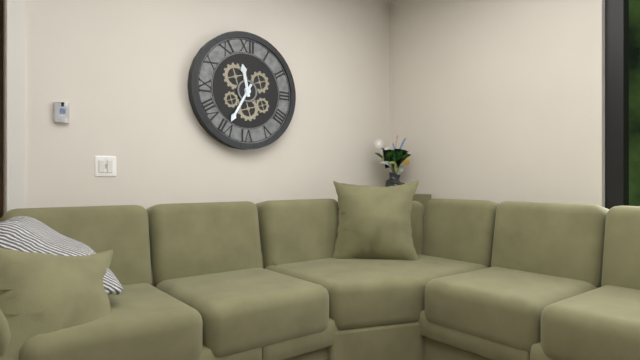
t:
11,35
